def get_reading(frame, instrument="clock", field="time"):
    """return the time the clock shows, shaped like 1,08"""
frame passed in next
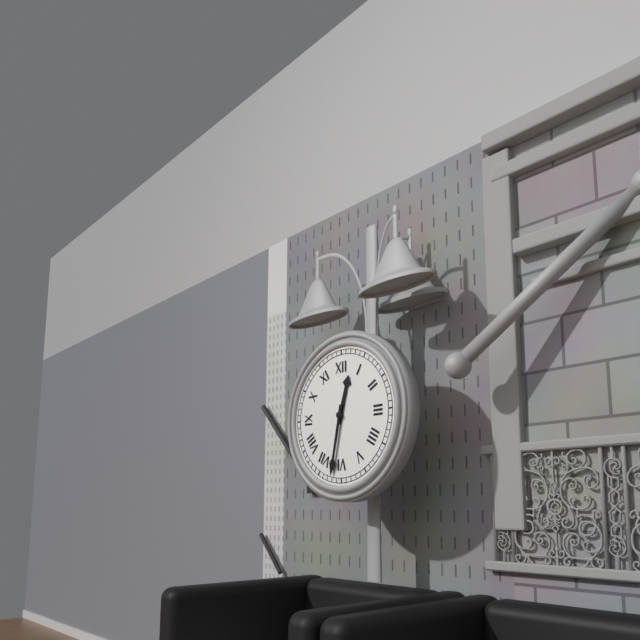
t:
12,32
